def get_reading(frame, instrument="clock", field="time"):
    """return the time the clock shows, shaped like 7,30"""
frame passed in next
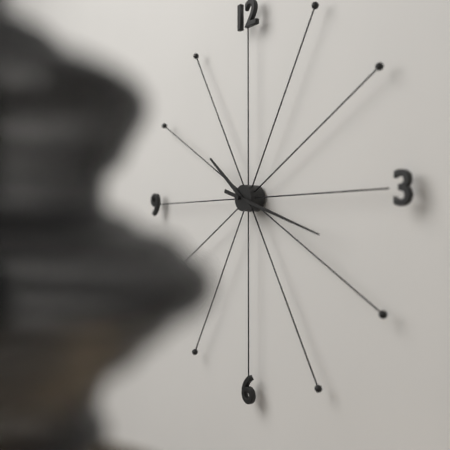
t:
10,18
